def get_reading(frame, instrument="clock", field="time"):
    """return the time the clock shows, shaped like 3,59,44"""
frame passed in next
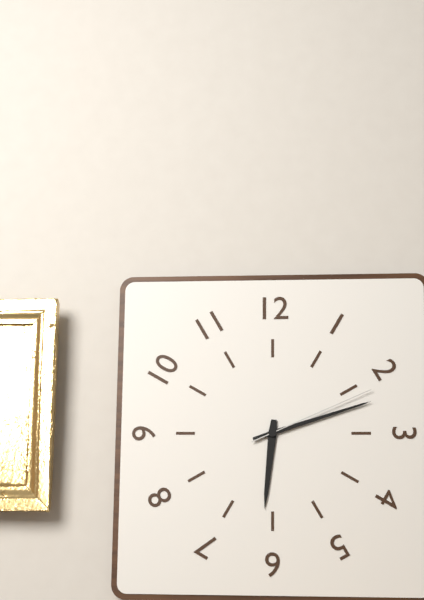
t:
6,12,11
